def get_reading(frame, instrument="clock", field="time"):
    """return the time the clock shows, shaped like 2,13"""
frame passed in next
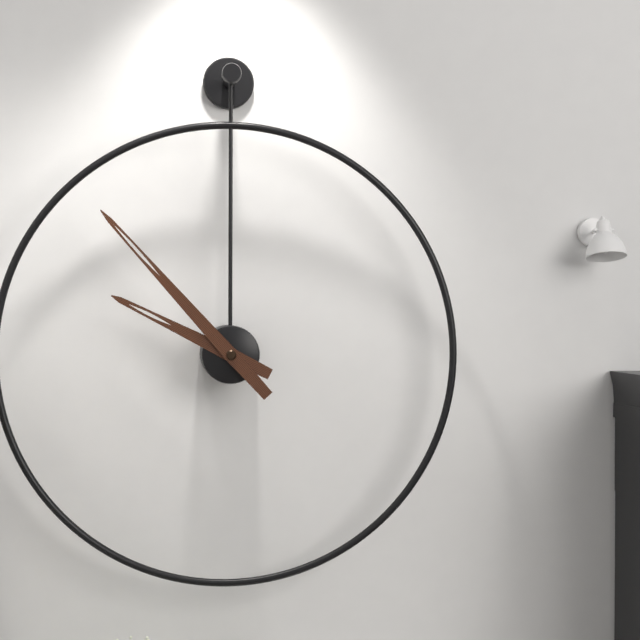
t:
9,53
